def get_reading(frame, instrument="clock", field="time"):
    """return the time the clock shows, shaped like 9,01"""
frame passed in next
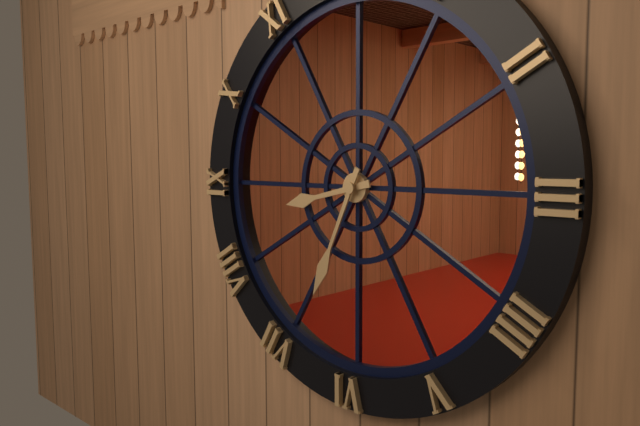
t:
8,34
